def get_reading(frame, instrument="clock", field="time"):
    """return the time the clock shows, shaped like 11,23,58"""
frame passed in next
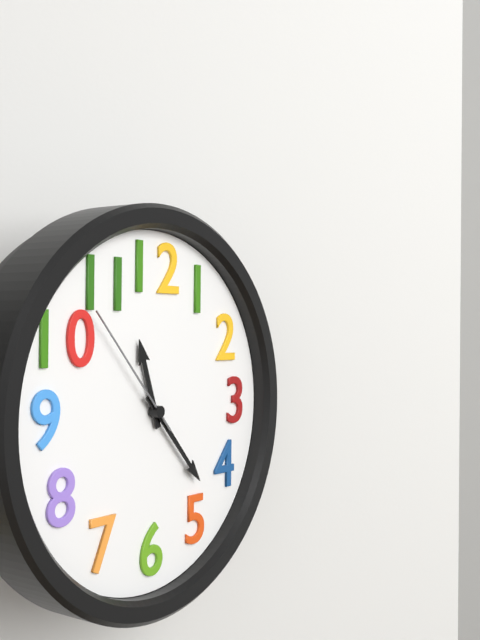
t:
11,23,53
